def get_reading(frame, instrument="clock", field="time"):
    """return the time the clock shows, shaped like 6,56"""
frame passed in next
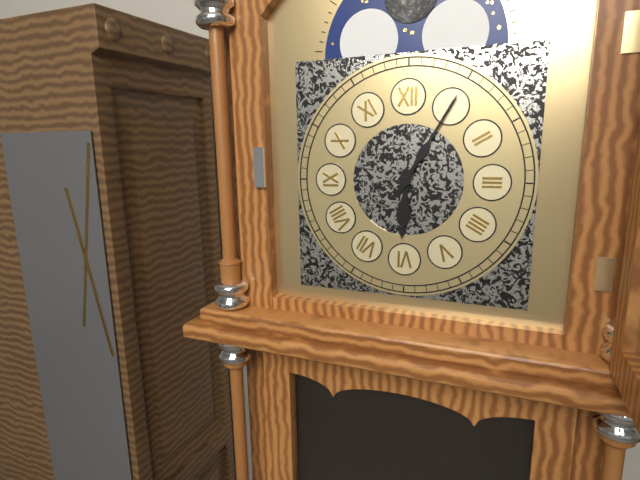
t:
6,05
